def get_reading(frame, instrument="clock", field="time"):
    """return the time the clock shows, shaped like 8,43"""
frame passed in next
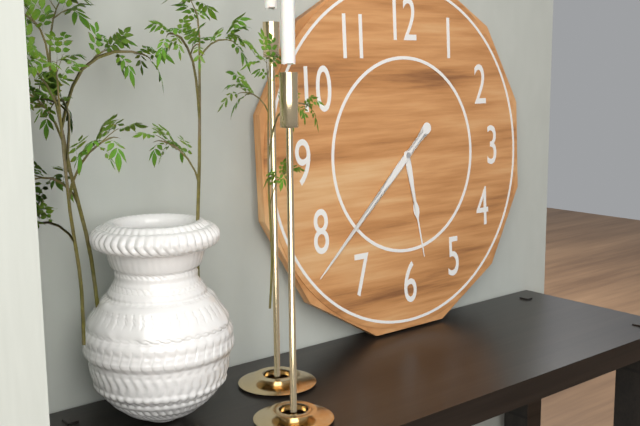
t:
5,38
